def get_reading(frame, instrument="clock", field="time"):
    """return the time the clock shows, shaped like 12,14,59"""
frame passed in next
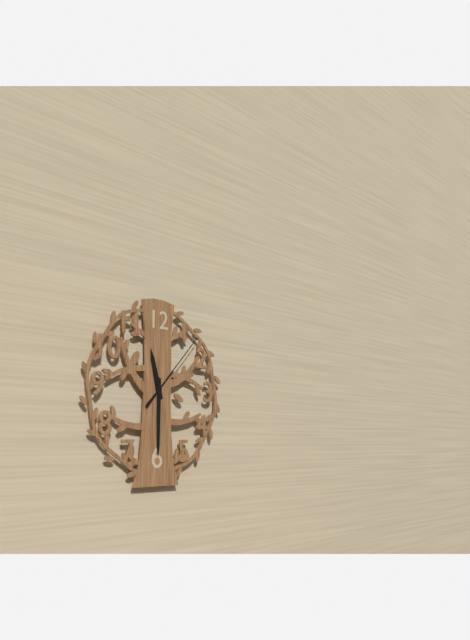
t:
11,30,07
